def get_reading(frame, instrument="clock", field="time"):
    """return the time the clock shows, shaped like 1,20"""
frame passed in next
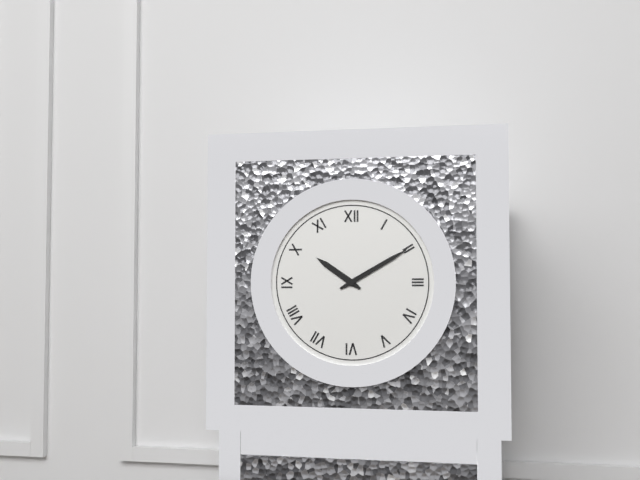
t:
10,10
